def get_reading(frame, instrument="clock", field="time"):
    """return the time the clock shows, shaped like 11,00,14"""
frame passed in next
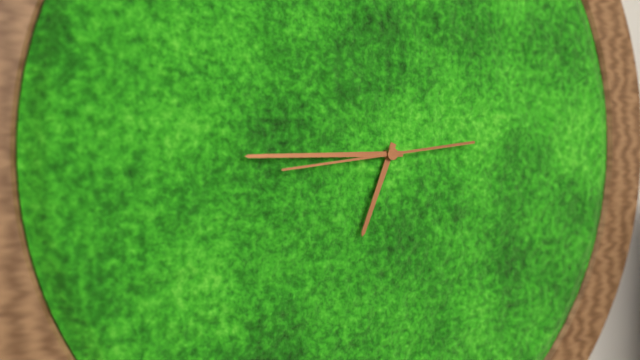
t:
6,45,44
